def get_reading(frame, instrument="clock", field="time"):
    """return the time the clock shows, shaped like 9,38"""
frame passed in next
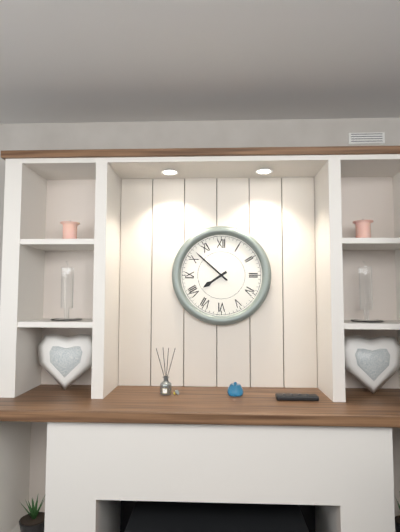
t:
7,52
